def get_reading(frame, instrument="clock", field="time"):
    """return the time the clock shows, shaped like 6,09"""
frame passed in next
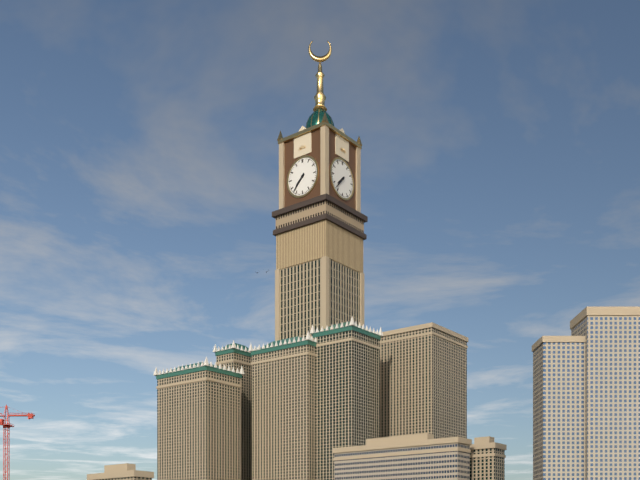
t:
7,37
